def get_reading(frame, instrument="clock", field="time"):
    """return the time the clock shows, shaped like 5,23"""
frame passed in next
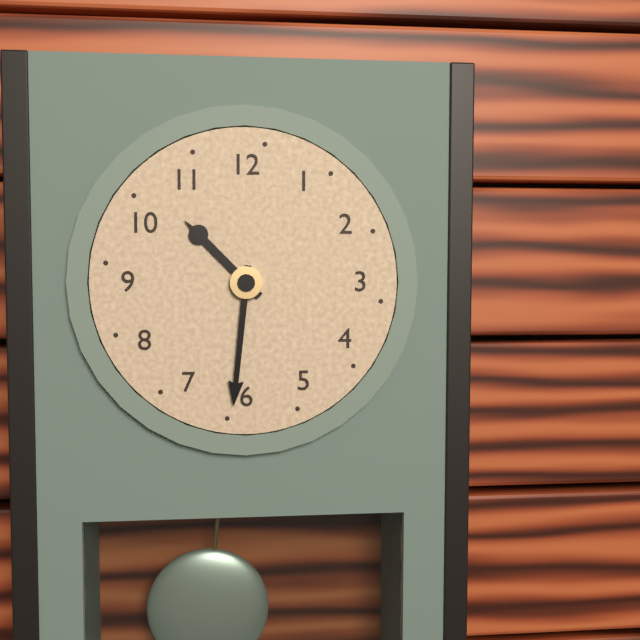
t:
10,31
